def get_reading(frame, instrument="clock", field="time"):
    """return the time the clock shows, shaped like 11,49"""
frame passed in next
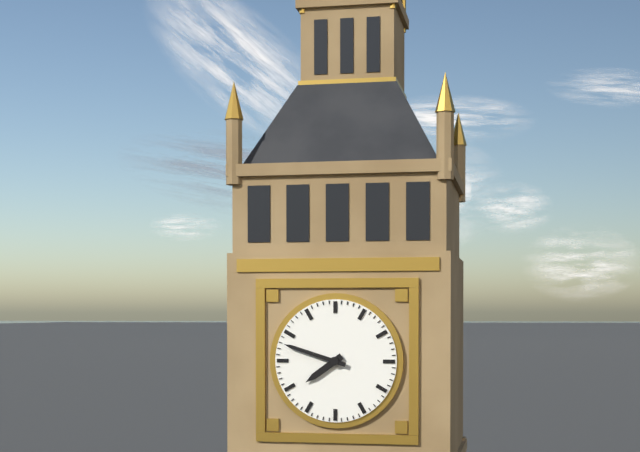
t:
7,48
